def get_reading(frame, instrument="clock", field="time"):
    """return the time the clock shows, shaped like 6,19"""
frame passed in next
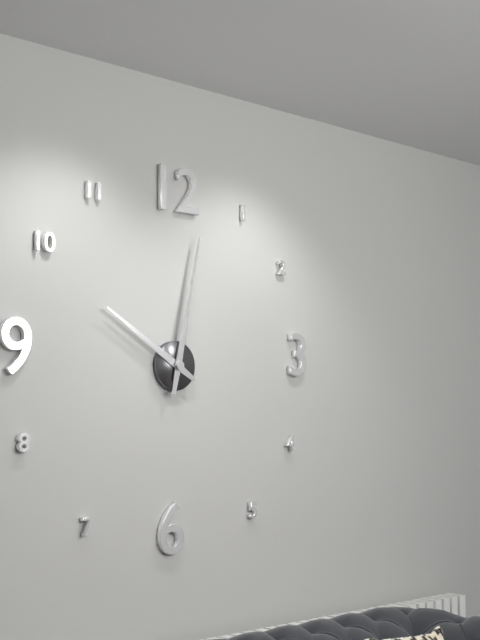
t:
10,02
